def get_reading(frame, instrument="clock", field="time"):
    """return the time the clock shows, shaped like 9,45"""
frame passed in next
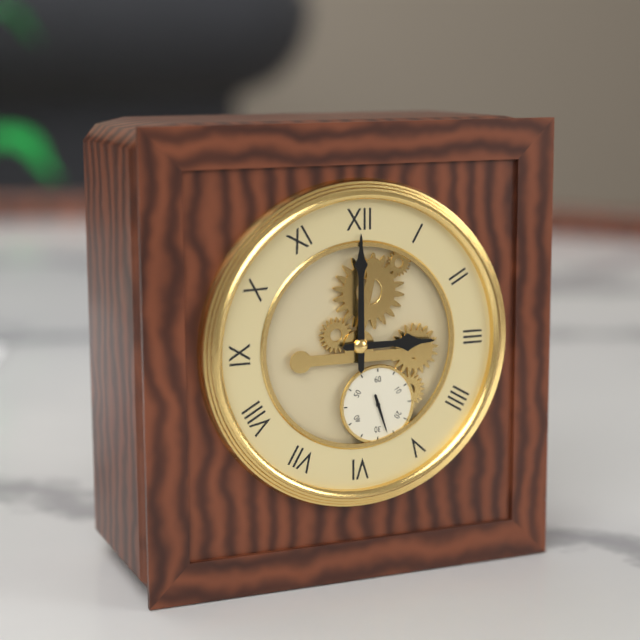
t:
3,00
